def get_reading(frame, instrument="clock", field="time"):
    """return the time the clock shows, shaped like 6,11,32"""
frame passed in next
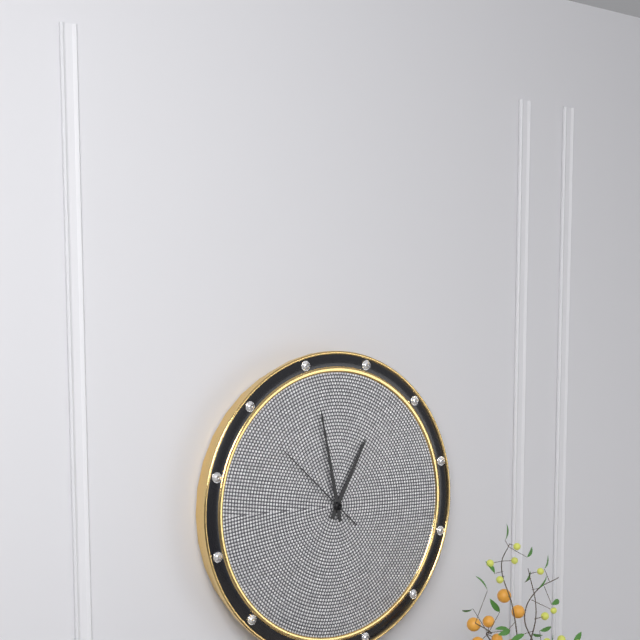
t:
12,58,52
